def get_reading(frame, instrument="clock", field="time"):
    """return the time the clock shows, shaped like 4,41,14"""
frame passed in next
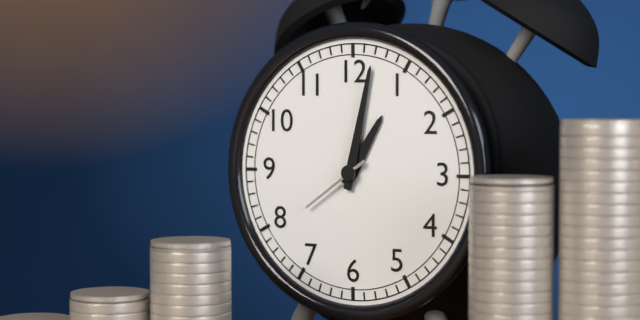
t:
1,02,39
